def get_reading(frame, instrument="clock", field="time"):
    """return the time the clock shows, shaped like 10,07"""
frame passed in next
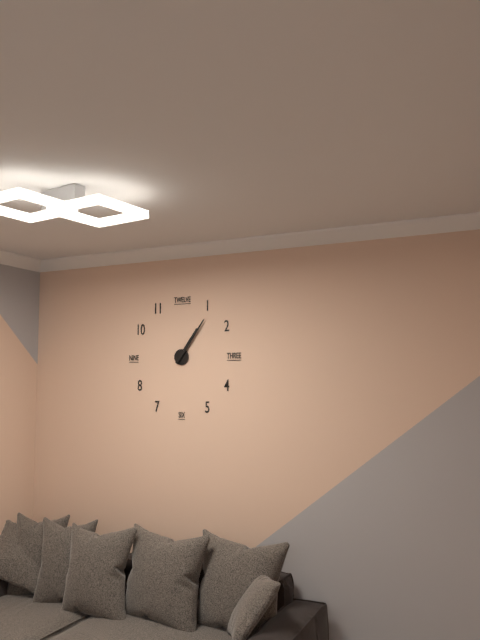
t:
1,06
